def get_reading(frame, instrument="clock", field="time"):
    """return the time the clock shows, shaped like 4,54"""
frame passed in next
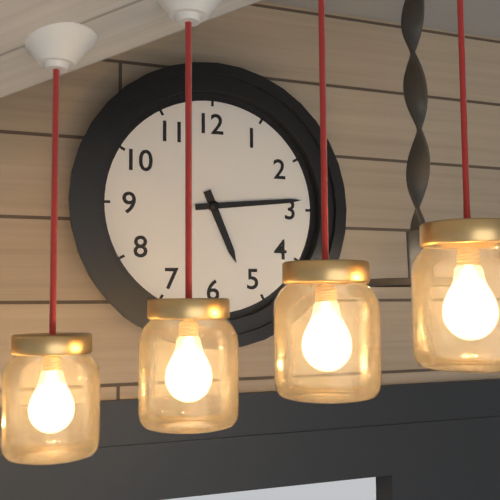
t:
5,14
